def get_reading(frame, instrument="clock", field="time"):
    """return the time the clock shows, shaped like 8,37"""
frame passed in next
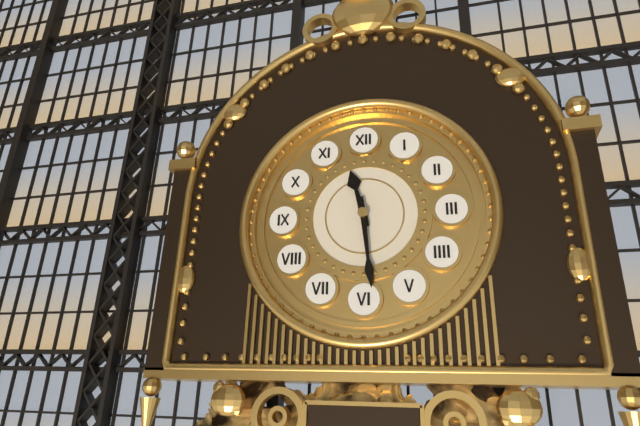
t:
11,29
